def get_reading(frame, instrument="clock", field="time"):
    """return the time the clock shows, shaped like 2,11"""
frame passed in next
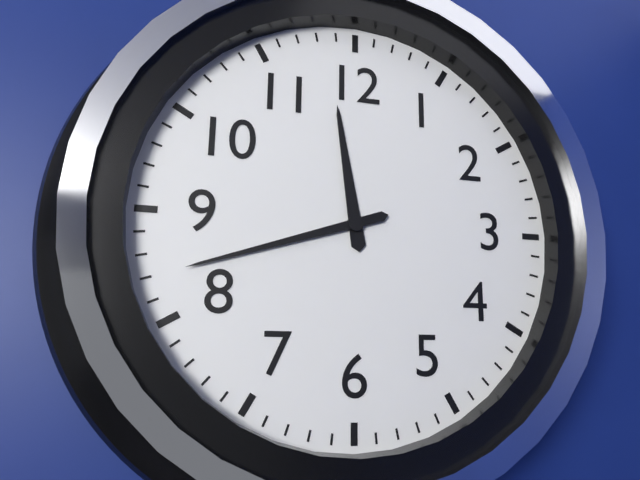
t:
11,42
